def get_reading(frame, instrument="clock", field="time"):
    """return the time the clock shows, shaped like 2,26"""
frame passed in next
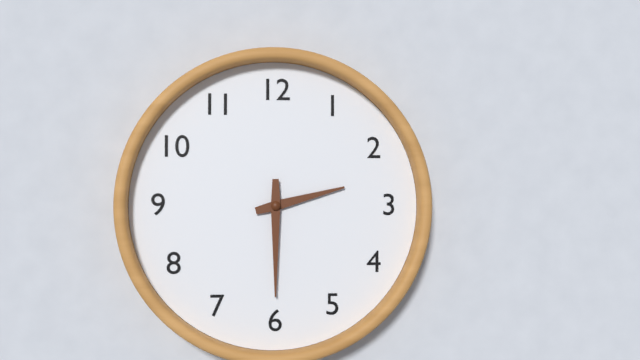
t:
2,30
